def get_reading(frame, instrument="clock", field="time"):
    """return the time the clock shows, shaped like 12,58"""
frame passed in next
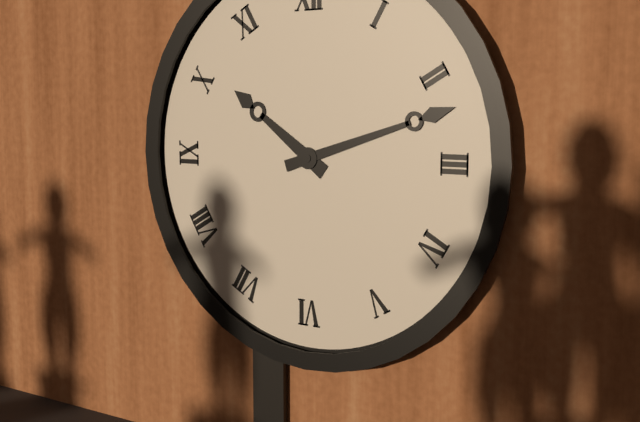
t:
10,12
